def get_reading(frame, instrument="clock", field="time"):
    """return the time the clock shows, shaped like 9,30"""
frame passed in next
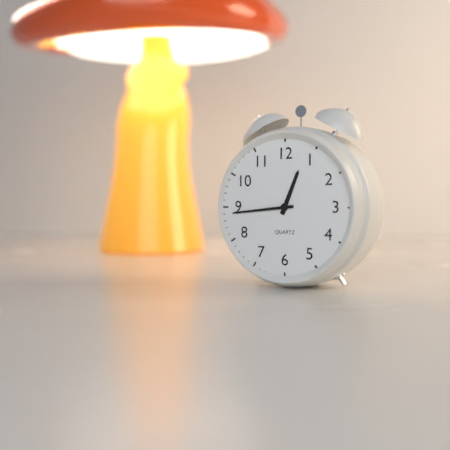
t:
12,44
